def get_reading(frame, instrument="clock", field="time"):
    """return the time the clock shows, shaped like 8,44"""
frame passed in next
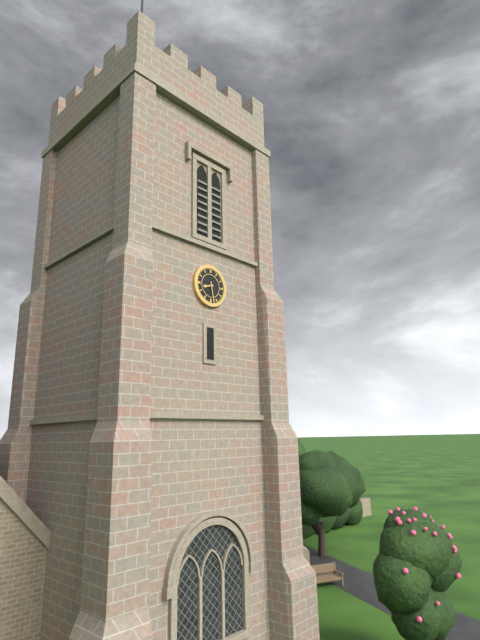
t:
8,28
